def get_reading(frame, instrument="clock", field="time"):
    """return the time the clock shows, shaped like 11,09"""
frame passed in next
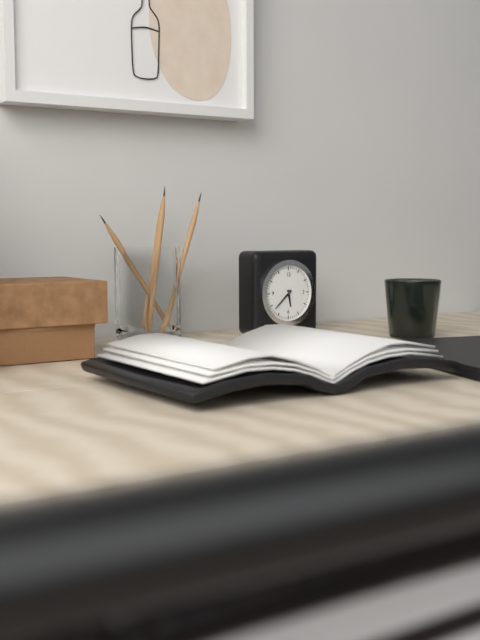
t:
5,38
